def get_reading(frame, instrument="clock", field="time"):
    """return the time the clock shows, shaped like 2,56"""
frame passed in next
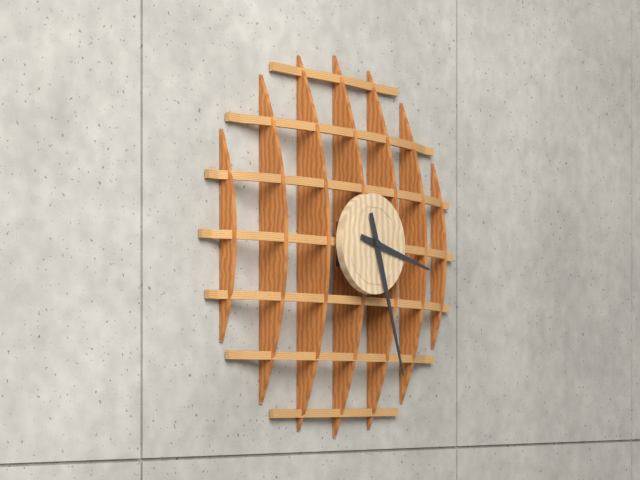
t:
3,27
